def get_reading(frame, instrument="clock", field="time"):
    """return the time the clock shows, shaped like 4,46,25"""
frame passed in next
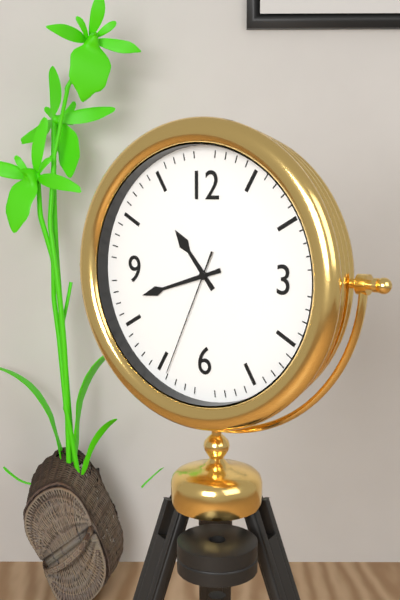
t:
10,42,34
